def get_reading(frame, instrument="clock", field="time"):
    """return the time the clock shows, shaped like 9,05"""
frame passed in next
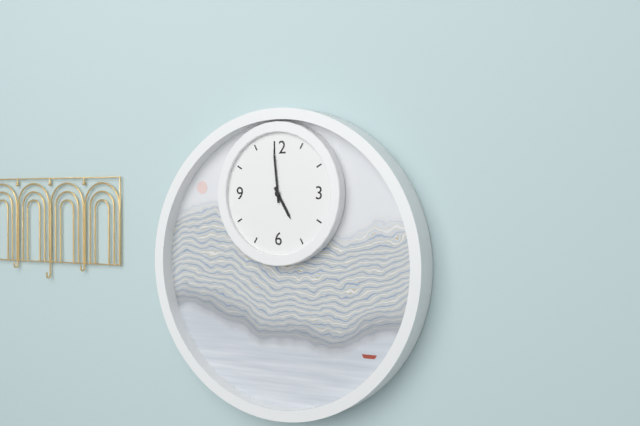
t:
4,59
